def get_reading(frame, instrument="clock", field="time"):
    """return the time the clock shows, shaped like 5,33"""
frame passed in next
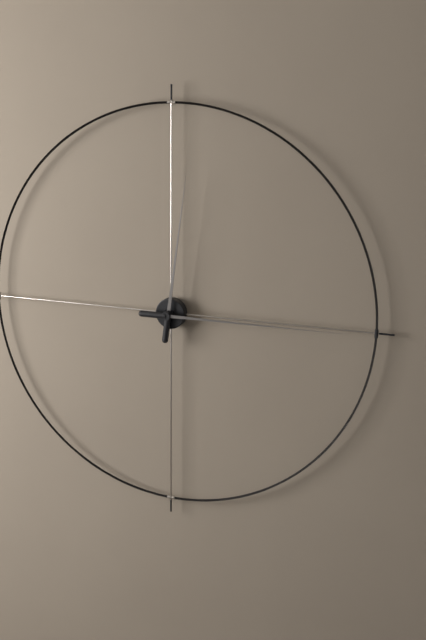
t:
12,15
